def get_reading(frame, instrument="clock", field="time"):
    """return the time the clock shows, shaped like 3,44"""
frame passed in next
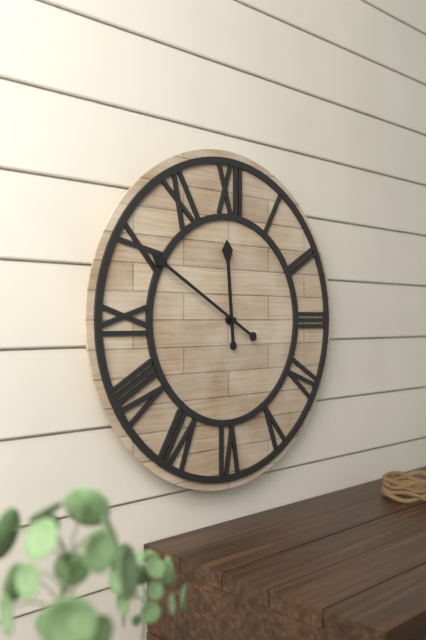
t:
11,50
